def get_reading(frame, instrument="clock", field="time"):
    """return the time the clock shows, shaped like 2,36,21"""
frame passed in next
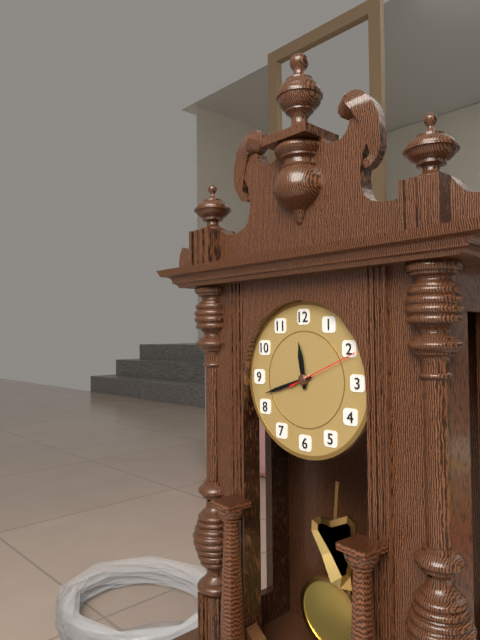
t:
11,42,11
